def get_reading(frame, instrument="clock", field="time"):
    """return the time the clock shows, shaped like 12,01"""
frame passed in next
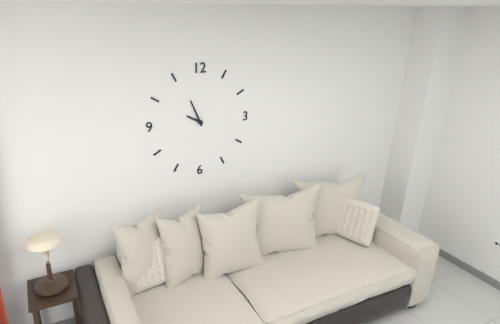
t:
9,56
